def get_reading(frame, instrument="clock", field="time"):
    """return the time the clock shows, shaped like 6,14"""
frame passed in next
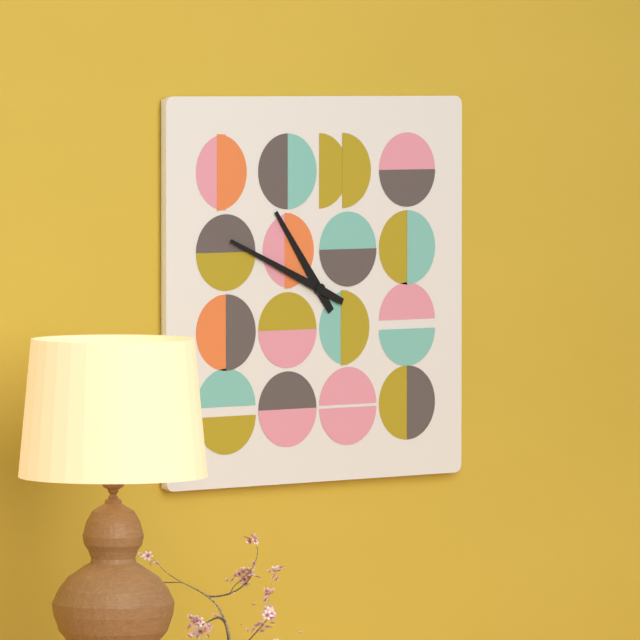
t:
10,49
